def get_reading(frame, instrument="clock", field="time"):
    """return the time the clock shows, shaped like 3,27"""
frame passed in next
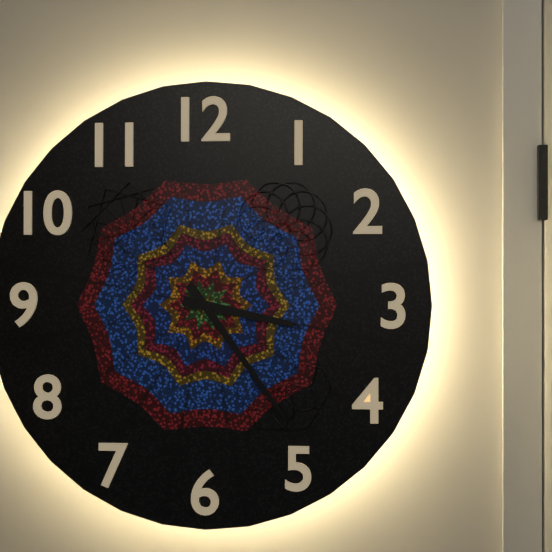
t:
3,24
